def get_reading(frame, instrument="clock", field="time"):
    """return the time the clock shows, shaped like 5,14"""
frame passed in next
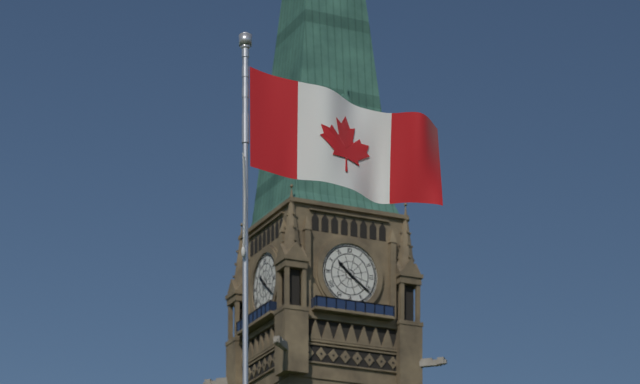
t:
10,21
